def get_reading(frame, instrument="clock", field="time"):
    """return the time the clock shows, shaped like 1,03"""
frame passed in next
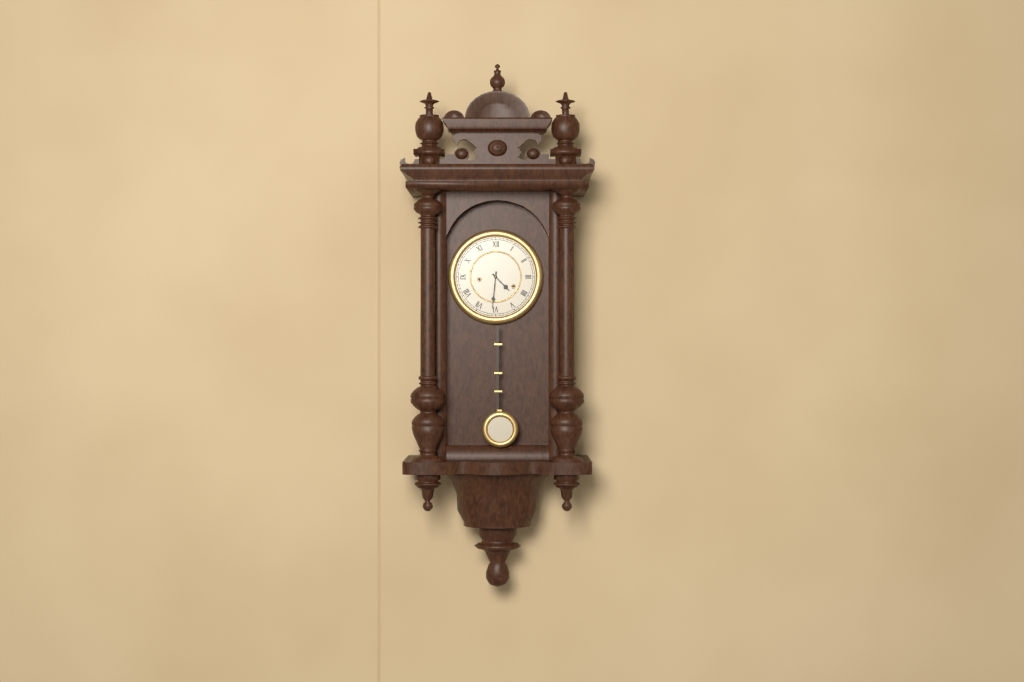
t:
4,31
